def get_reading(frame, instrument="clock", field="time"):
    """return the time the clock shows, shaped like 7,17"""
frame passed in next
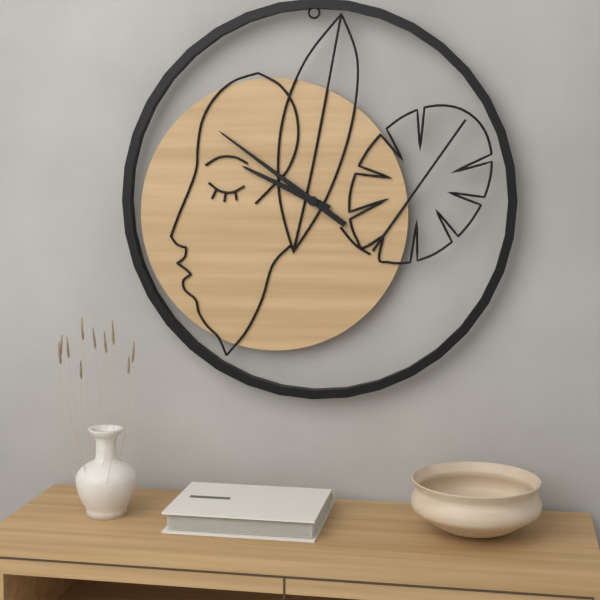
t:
9,51
